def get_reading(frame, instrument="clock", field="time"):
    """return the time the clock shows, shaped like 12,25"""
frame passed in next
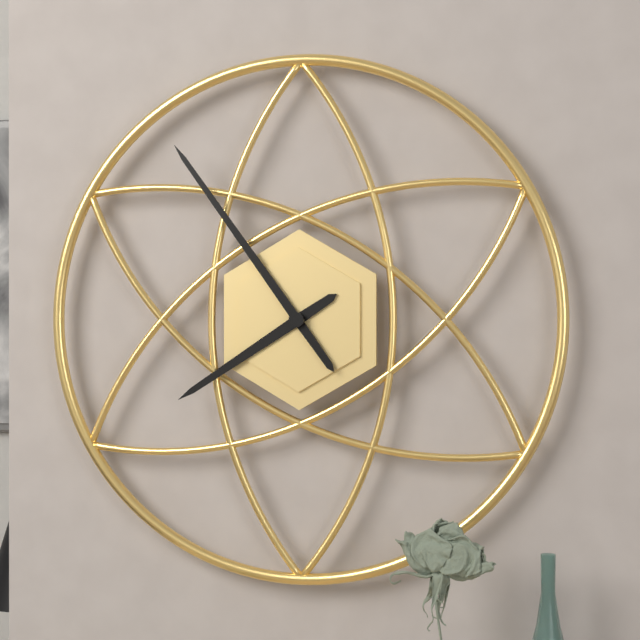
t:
7,54
